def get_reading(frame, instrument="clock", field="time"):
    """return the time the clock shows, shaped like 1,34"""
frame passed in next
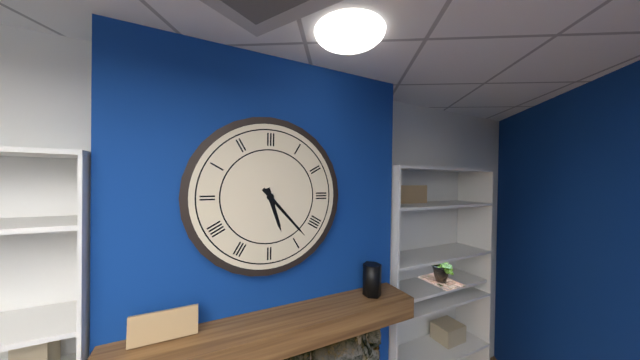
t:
5,23
